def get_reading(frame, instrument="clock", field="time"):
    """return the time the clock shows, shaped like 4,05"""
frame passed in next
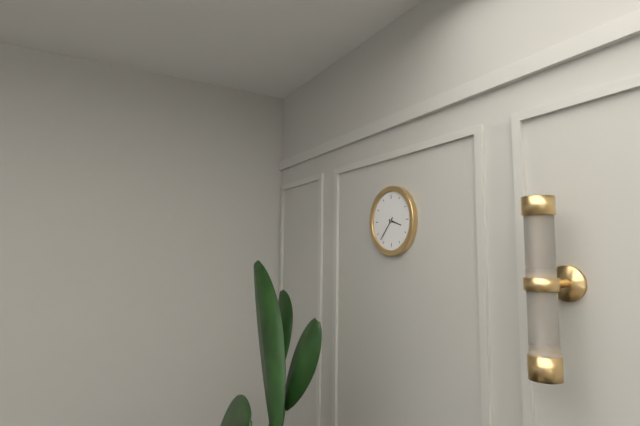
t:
3,37
